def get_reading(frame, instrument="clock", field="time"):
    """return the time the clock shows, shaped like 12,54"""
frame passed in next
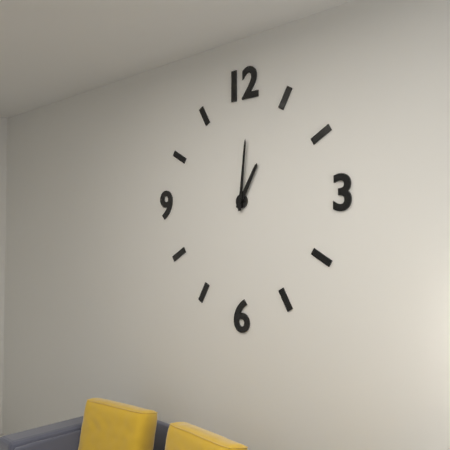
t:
1,01
